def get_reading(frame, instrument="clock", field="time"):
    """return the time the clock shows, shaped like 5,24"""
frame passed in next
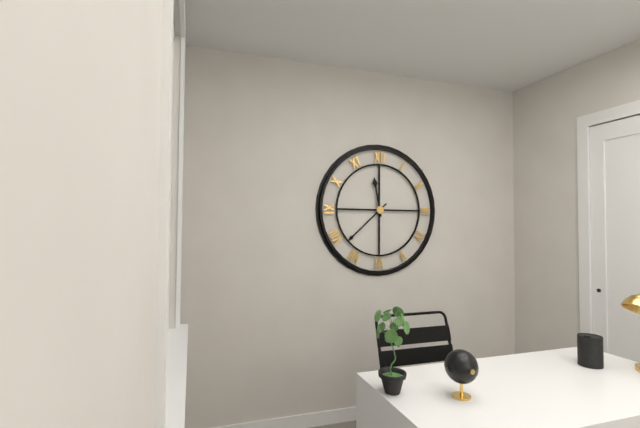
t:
11,38
